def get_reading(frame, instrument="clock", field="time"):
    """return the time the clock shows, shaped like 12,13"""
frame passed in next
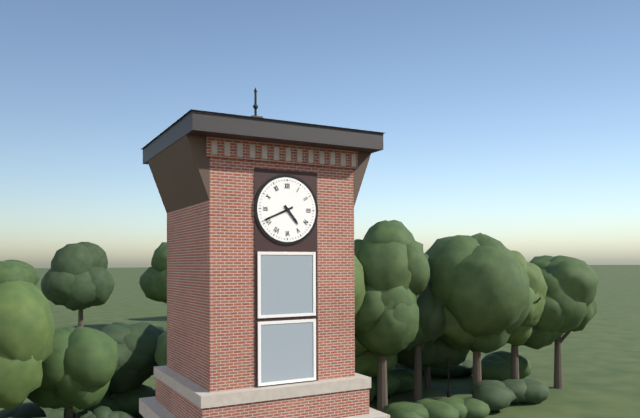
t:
4,41
